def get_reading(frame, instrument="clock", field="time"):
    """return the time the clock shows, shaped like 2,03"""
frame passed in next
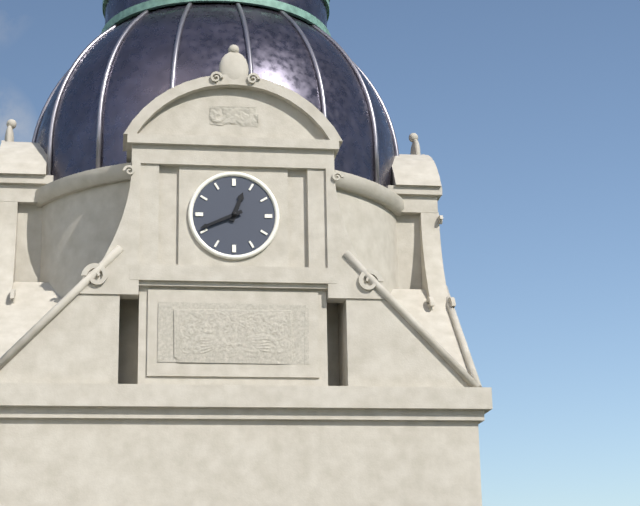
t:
12,41
